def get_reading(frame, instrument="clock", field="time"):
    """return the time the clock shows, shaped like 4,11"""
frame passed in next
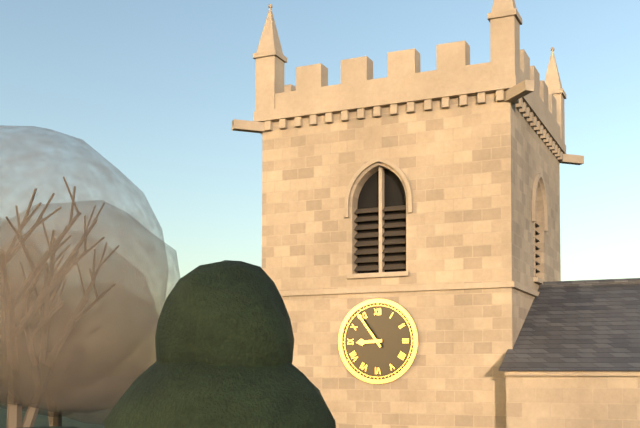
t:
8,54
